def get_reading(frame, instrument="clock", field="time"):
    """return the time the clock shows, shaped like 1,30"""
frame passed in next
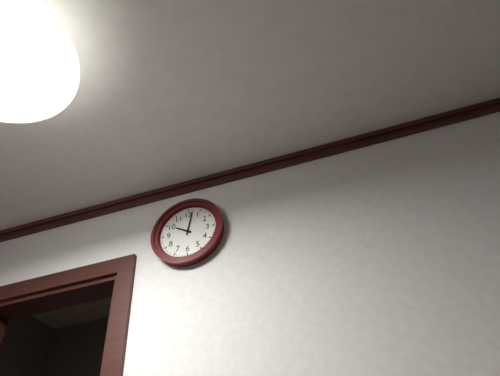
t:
10,02
